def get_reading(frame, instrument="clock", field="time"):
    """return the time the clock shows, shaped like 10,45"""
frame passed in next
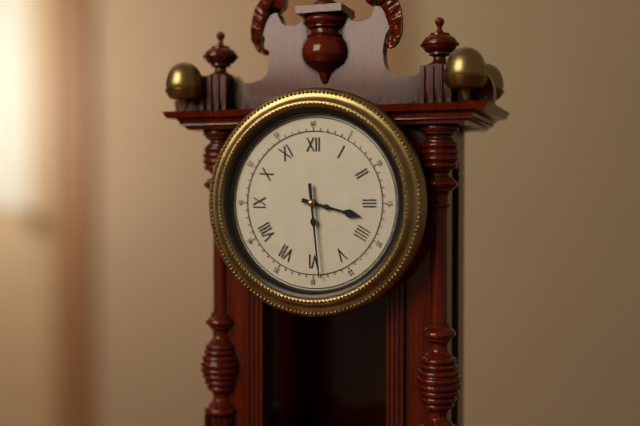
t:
3,29
